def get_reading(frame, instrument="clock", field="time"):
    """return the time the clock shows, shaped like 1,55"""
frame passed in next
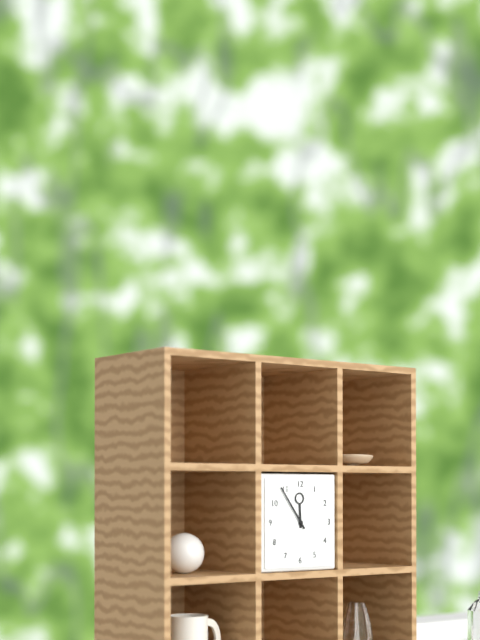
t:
11,54
